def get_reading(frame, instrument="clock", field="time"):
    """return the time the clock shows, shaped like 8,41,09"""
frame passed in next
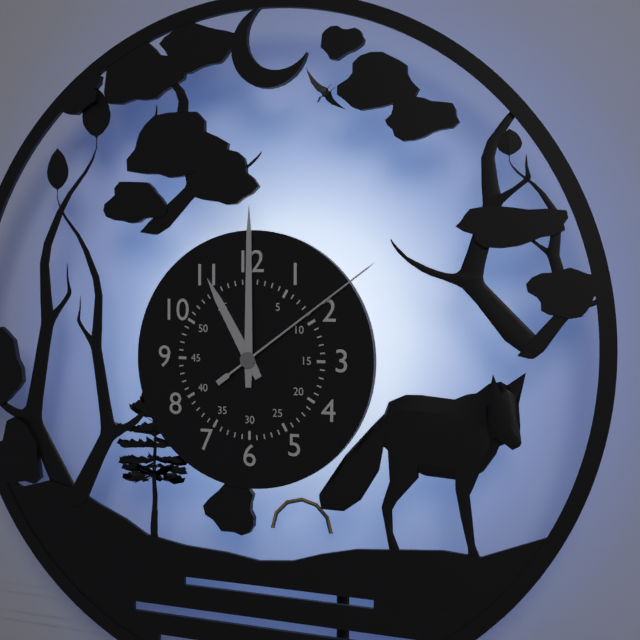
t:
11,00,09
